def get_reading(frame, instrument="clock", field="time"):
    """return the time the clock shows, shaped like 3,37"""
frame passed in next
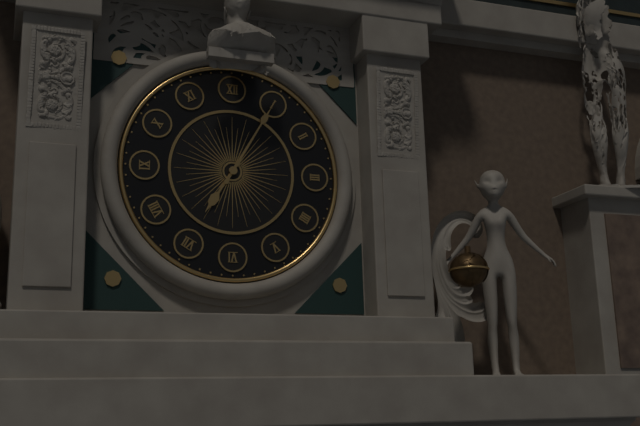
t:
7,05
